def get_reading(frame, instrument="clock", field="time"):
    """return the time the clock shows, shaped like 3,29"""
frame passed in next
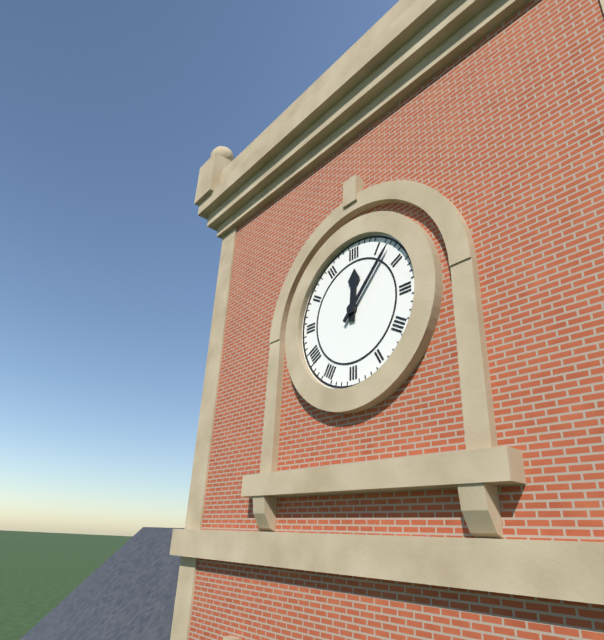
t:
12,07
